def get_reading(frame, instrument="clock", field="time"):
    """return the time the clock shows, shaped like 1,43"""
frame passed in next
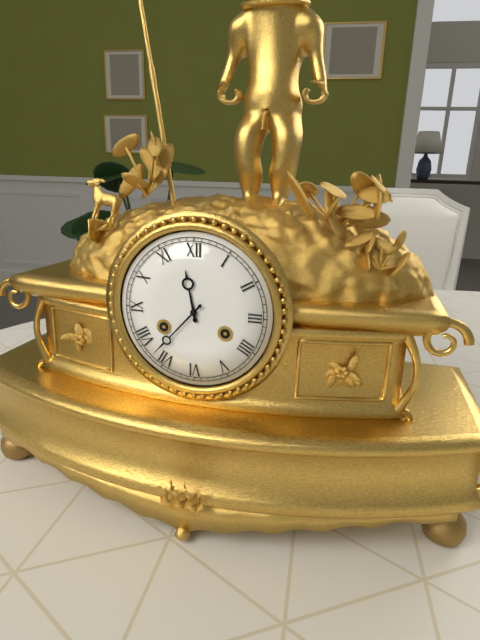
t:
11,37
